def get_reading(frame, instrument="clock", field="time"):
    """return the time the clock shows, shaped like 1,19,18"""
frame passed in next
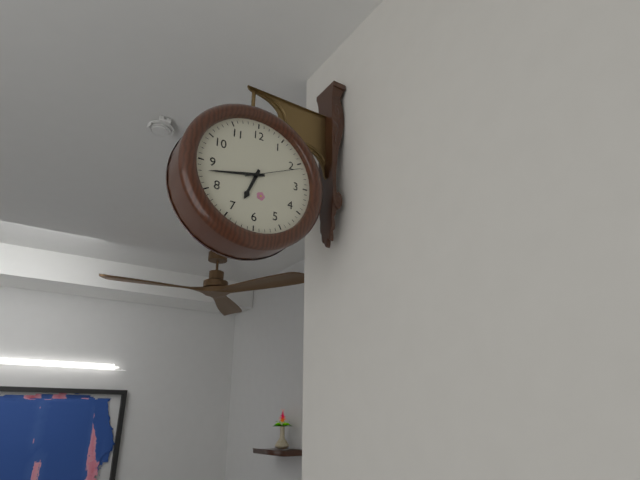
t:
6,43,11
